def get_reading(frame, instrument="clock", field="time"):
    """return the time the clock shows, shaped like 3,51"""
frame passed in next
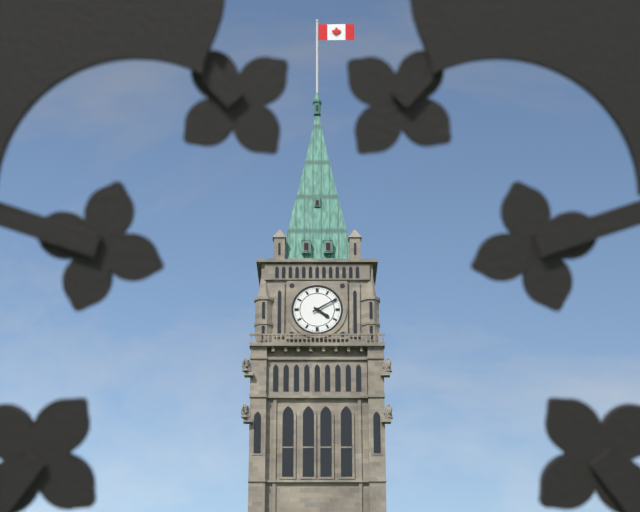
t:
4,10
